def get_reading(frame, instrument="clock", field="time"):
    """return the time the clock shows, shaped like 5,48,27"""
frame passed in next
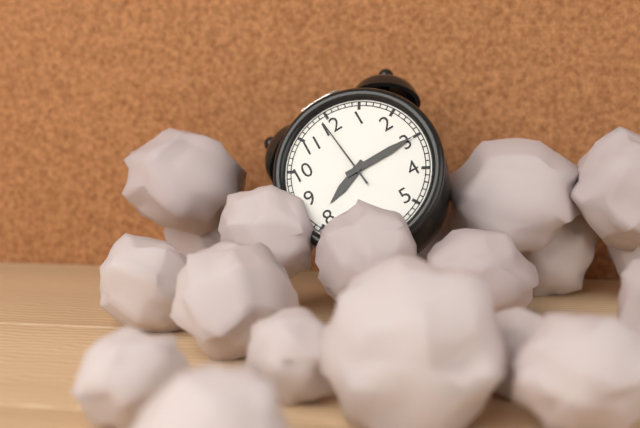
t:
8,15,59
